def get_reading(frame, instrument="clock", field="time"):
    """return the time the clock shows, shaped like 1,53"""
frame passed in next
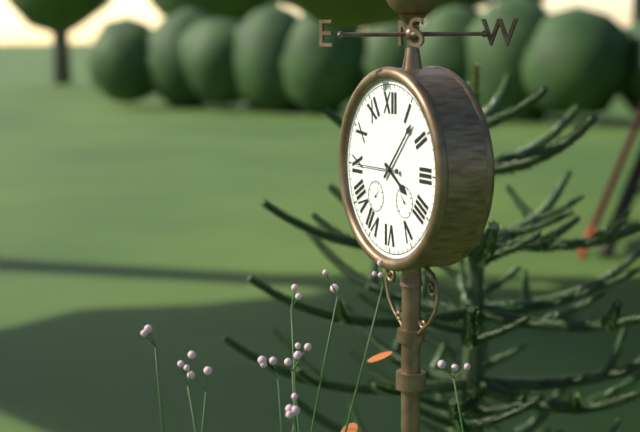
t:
4,07
